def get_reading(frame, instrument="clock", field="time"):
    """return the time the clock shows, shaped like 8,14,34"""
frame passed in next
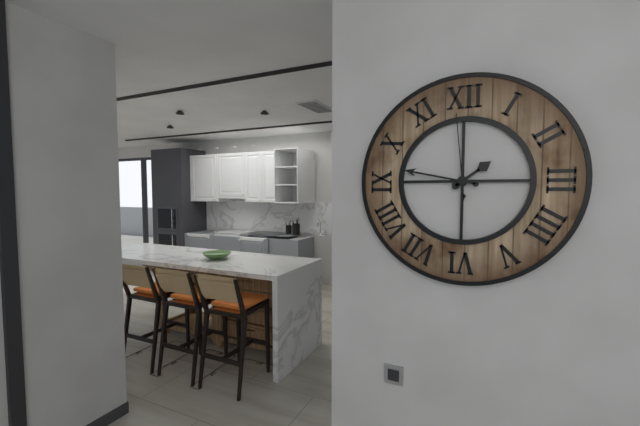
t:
1,47,59
